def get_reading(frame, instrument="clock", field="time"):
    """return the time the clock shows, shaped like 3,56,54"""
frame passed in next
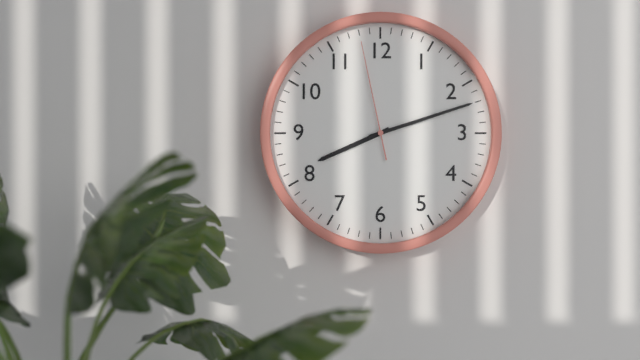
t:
8,12,58
